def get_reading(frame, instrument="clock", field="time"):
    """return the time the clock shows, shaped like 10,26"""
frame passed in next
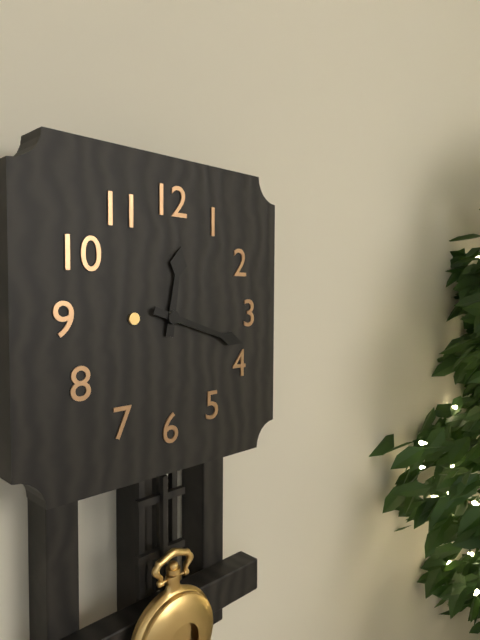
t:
12,18
